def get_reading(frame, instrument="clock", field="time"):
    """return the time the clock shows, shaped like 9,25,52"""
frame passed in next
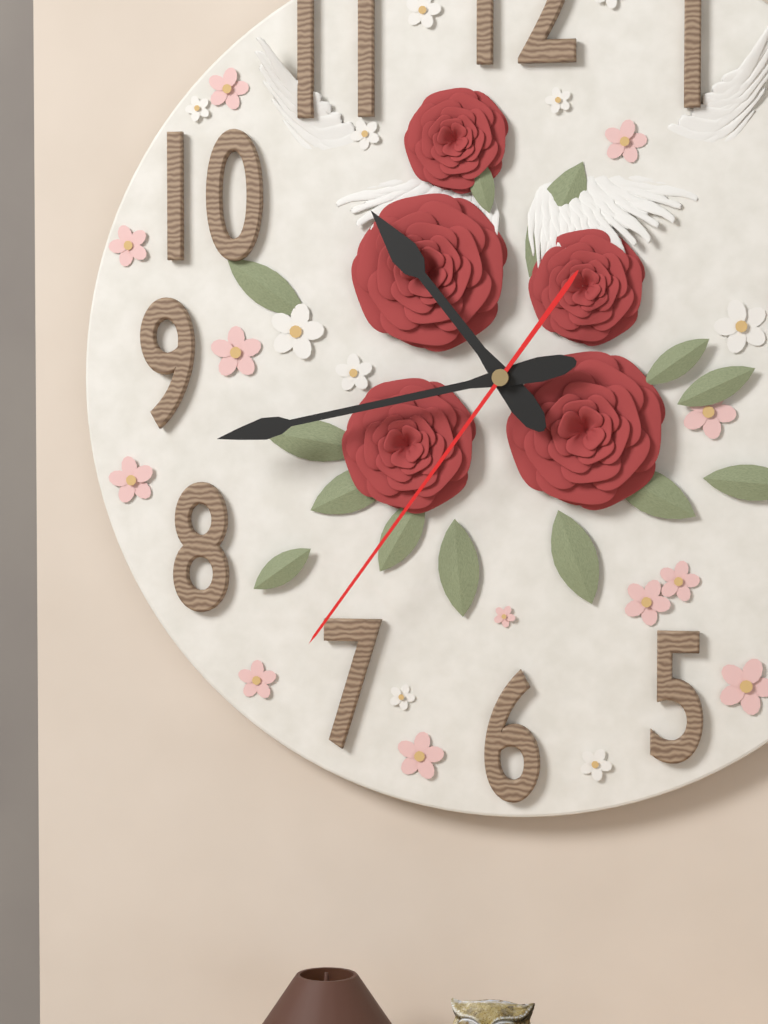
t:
10,43,36
